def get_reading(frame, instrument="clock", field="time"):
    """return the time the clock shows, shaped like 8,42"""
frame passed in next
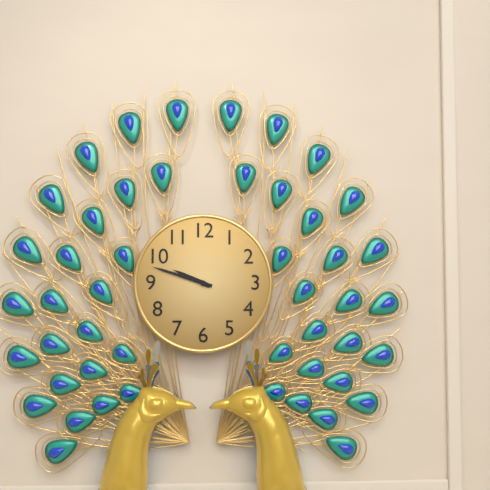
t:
9,48
